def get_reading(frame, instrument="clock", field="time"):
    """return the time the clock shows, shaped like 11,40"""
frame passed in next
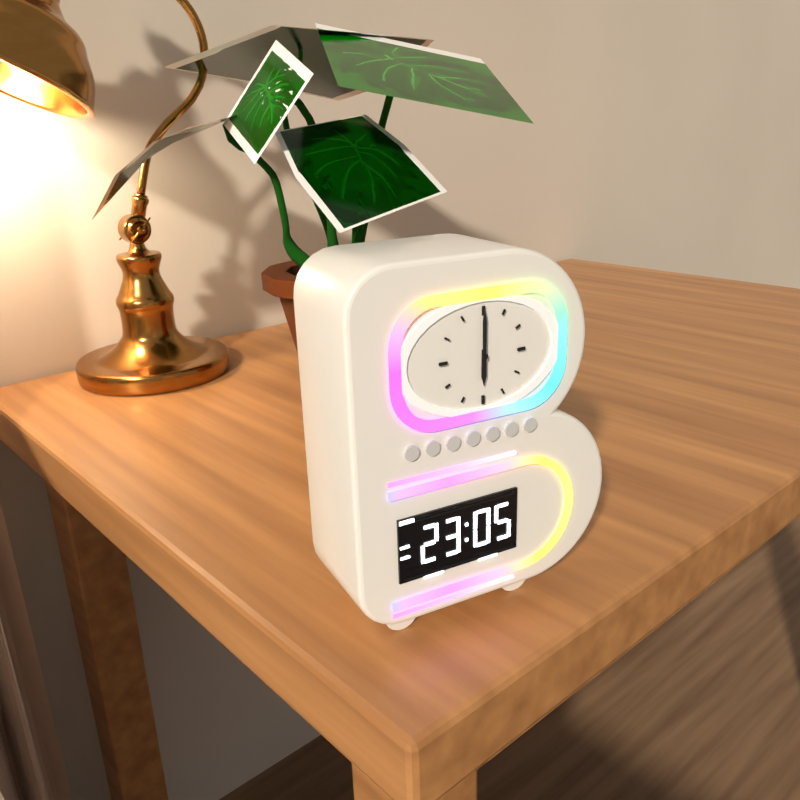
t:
6,00
